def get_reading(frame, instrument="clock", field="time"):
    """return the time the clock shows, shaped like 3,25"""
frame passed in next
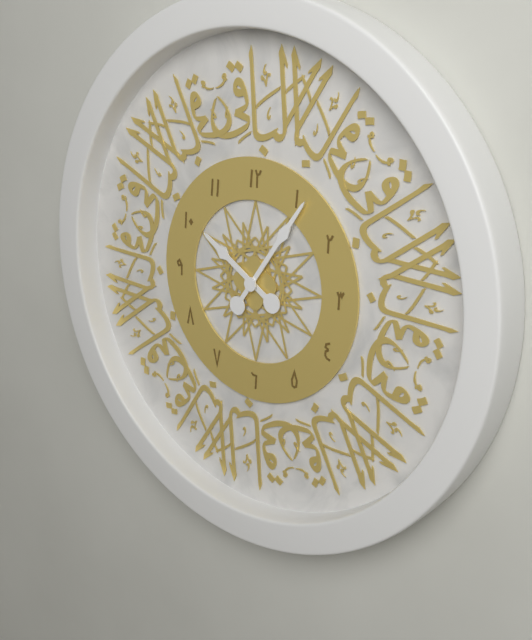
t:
10,06
